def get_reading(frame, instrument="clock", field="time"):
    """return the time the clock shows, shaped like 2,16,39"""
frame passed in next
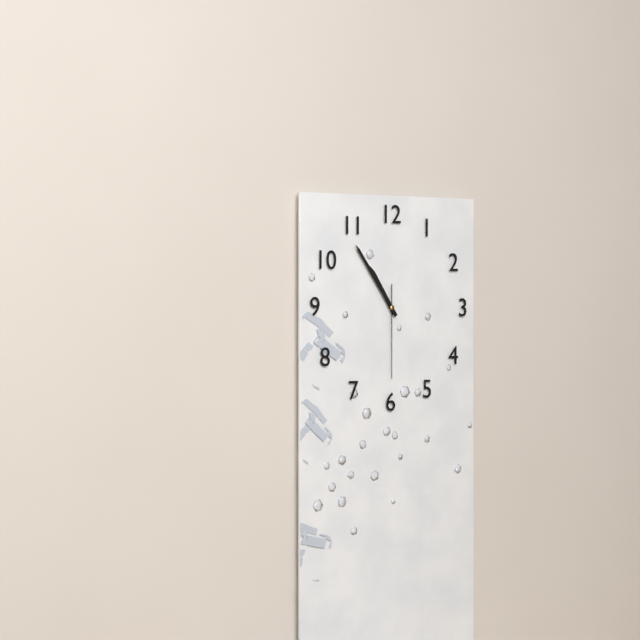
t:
10,54,30
